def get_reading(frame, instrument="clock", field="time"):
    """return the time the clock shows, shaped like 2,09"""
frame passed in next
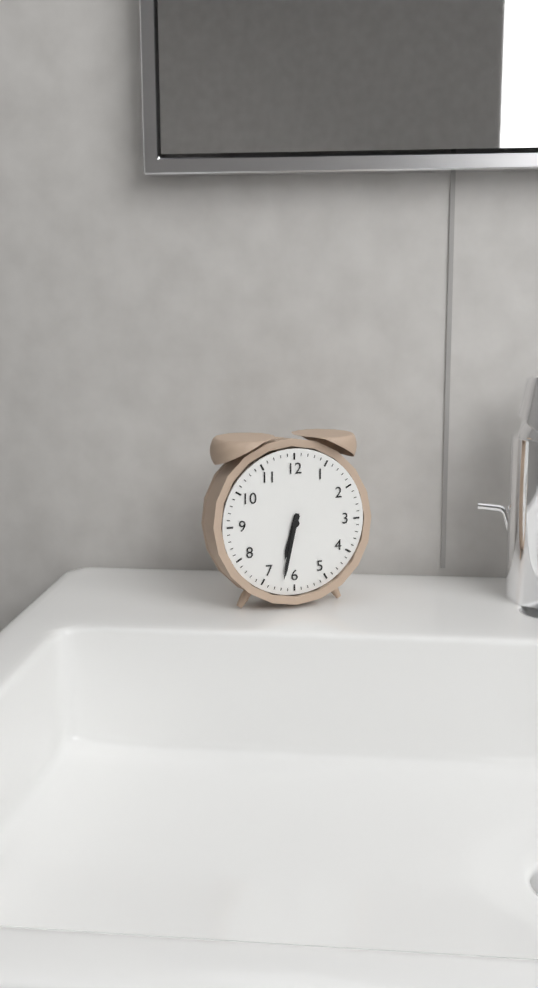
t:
6,32
